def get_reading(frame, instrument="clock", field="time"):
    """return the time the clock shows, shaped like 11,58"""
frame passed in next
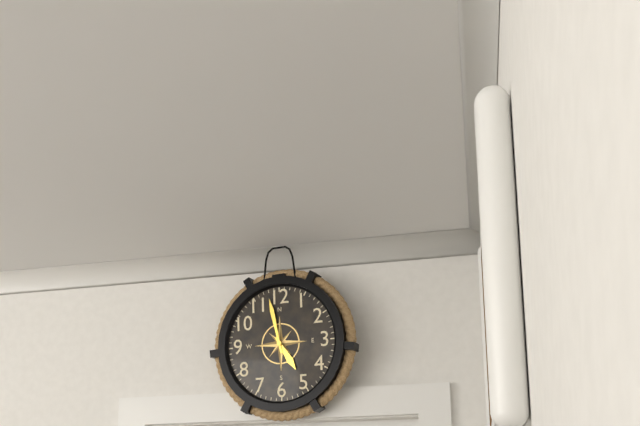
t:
4,58
